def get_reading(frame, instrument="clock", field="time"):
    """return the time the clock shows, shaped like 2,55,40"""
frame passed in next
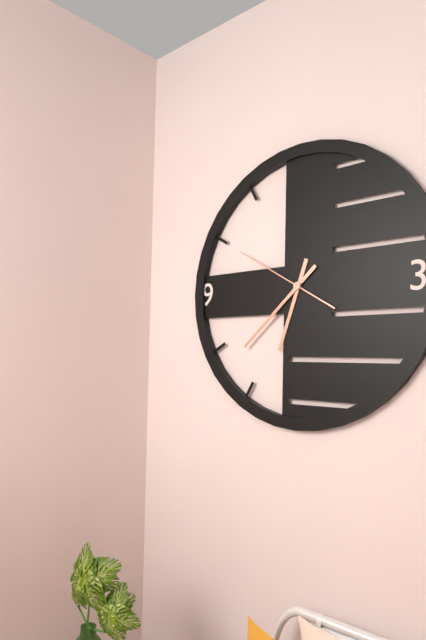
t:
6,38,50
